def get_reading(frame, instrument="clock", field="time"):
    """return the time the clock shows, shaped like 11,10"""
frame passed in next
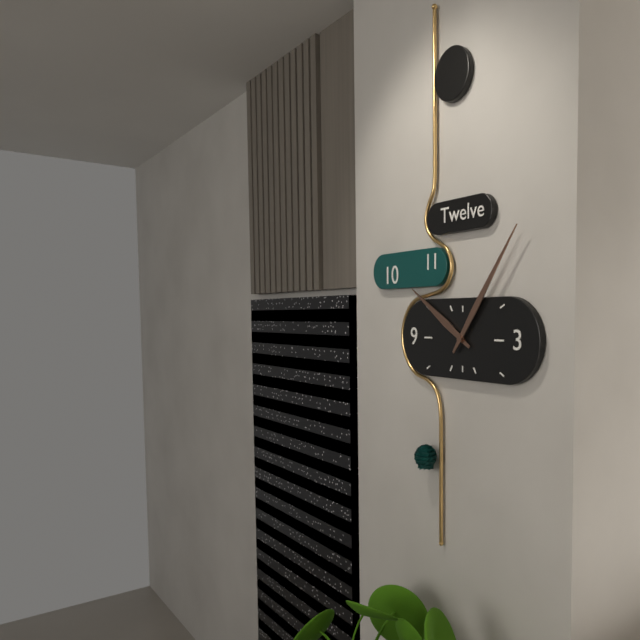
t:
10,06
